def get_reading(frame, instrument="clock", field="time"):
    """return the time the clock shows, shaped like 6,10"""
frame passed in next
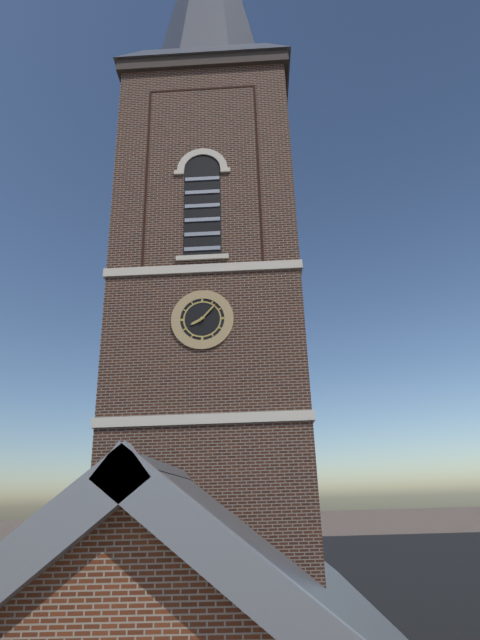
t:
8,07
